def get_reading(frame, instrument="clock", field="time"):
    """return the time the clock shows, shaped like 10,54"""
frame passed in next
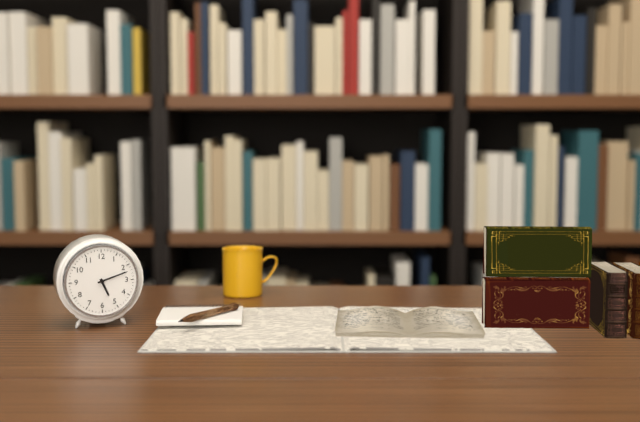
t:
5,12
